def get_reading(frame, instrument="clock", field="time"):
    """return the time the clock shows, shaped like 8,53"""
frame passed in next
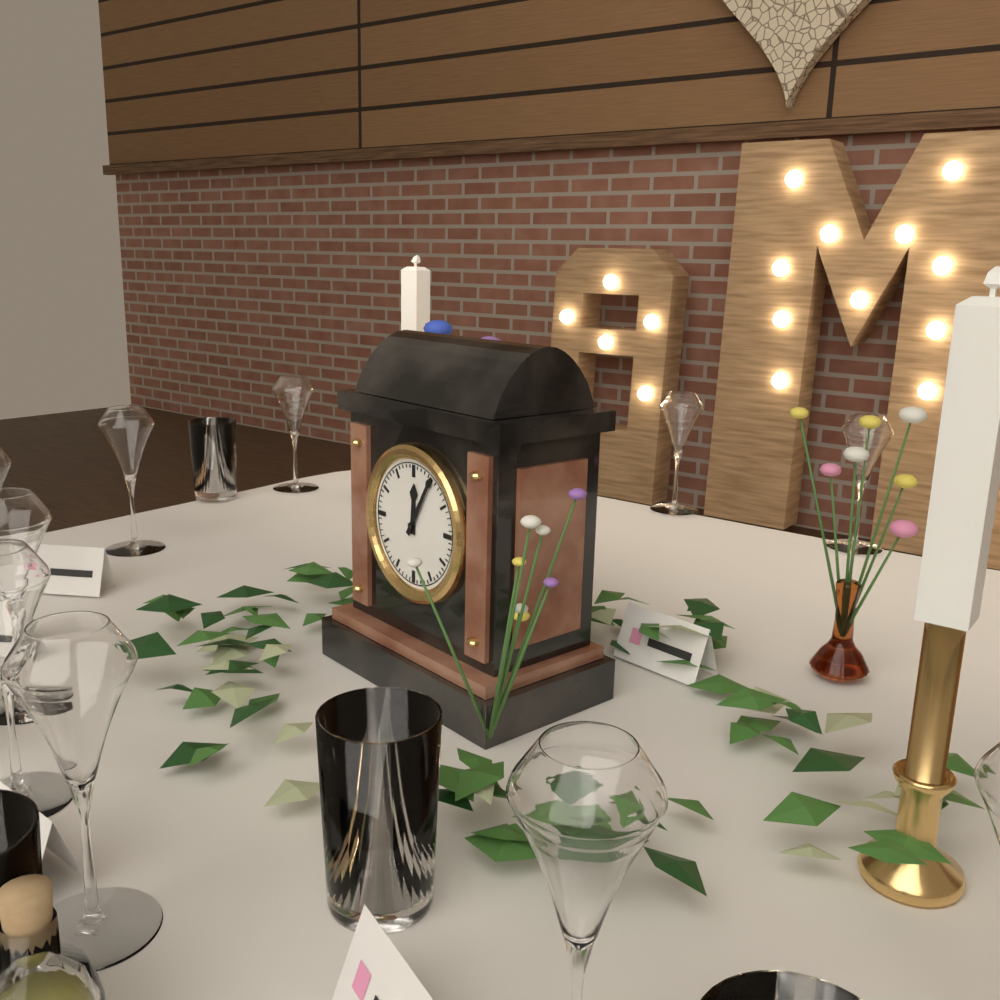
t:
12,05
